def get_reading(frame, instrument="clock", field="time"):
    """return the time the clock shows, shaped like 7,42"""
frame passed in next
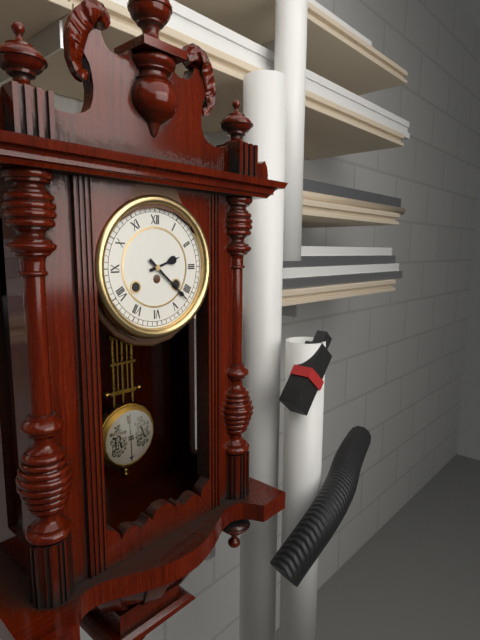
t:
2,22
